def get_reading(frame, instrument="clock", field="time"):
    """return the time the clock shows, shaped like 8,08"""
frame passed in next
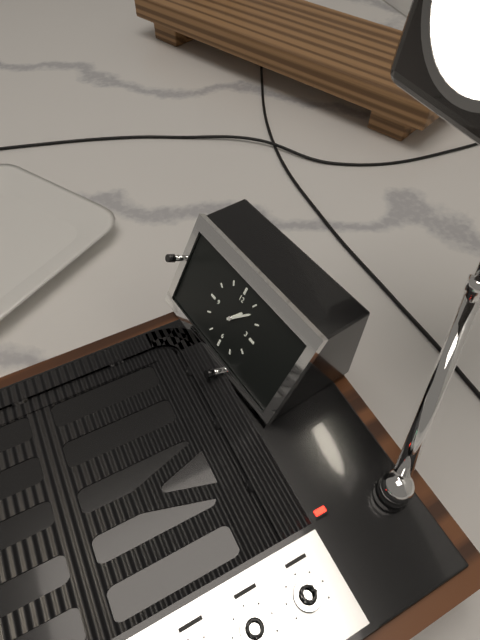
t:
1,07
